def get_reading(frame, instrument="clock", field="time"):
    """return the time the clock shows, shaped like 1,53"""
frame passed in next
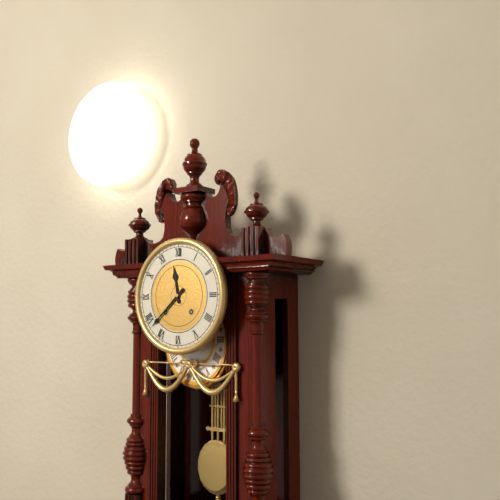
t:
11,38
